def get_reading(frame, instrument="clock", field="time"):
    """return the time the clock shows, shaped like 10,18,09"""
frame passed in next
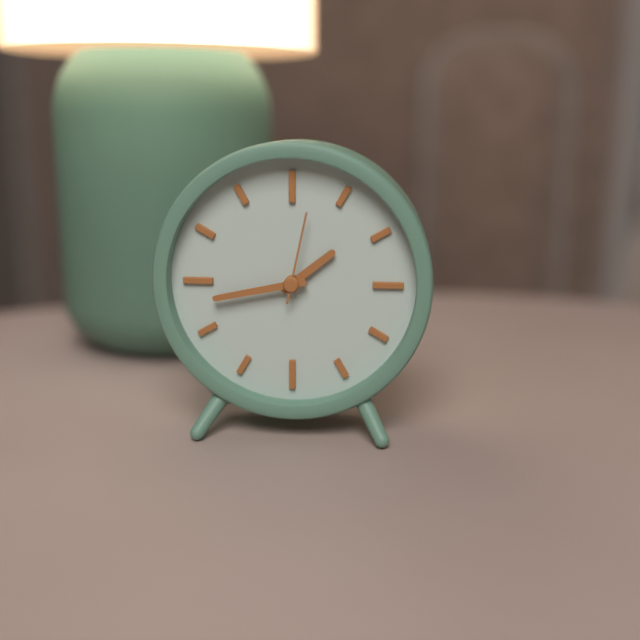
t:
1,43,02
